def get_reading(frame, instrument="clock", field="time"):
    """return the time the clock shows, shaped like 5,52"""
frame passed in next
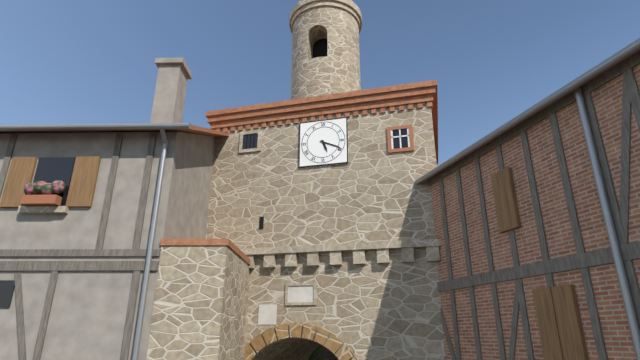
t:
5,19
